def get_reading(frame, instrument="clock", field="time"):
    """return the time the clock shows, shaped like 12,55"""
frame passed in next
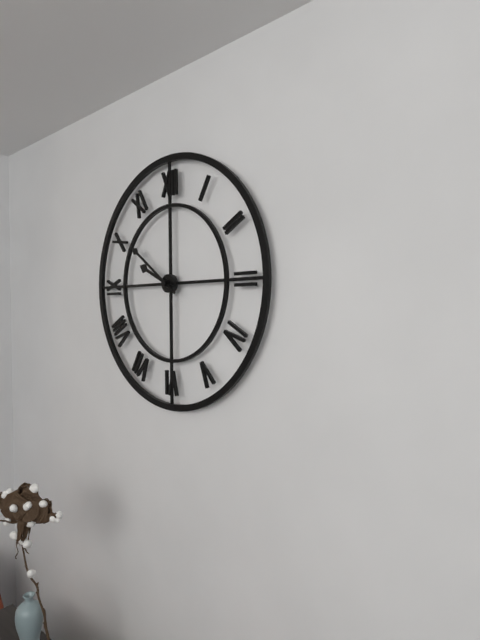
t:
9,51
